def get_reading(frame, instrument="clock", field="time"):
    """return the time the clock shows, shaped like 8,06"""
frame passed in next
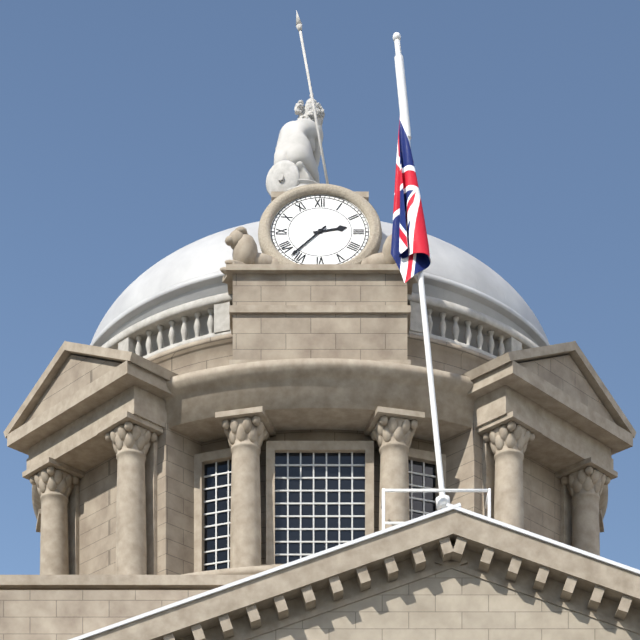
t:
2,37
